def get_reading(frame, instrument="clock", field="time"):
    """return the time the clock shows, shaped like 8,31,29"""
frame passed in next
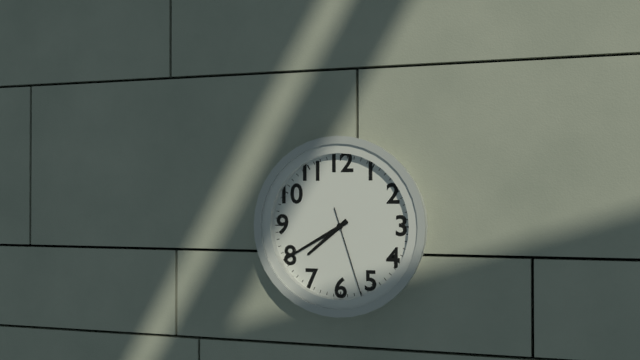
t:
7,40,27
